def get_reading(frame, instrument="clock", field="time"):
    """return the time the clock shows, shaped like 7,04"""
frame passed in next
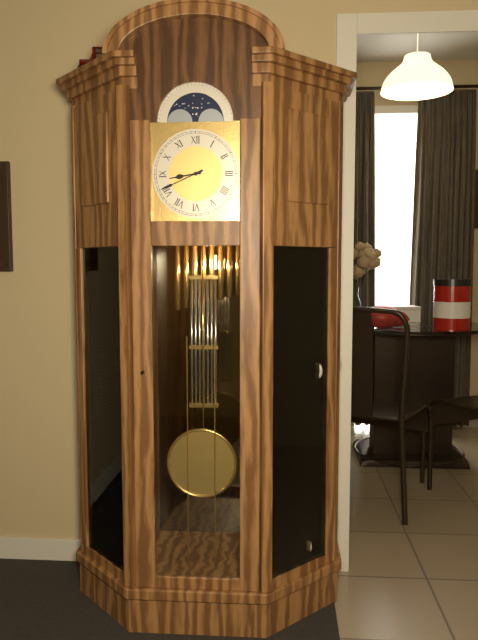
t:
8,41
